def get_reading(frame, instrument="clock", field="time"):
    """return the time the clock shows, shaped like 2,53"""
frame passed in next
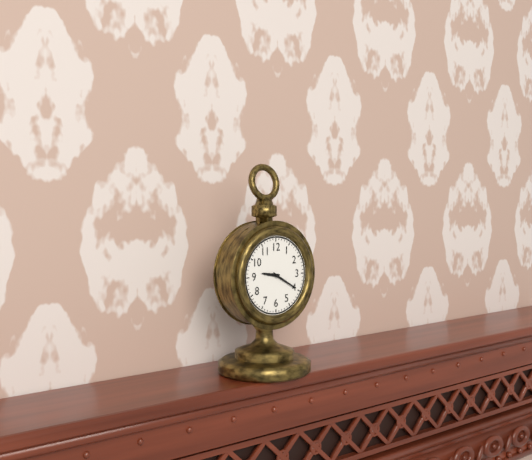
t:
9,20
